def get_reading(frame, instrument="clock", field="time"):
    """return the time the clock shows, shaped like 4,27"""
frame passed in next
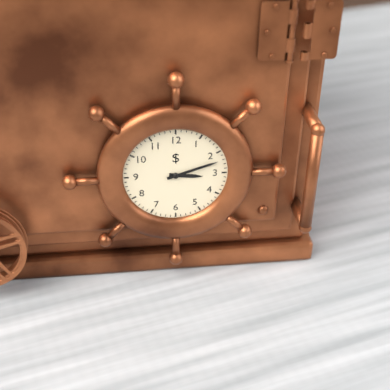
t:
3,12
